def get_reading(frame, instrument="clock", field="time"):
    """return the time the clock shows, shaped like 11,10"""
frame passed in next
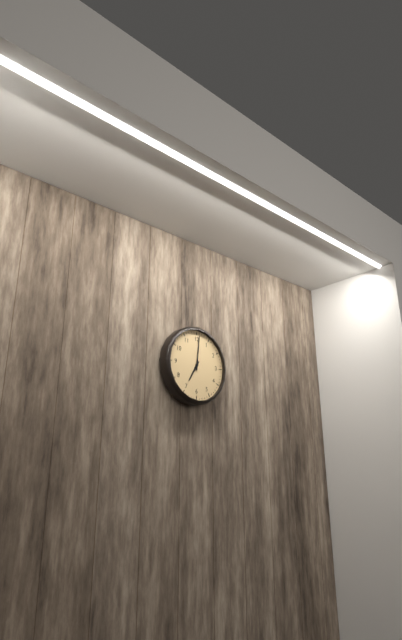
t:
7,01
